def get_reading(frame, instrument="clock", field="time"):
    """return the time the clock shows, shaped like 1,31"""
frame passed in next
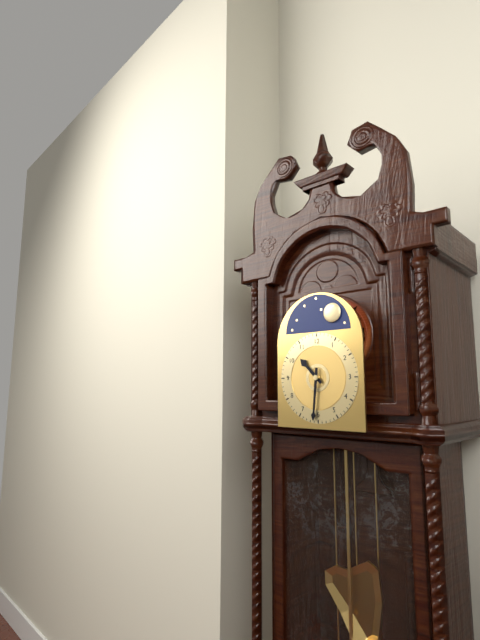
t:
10,31
